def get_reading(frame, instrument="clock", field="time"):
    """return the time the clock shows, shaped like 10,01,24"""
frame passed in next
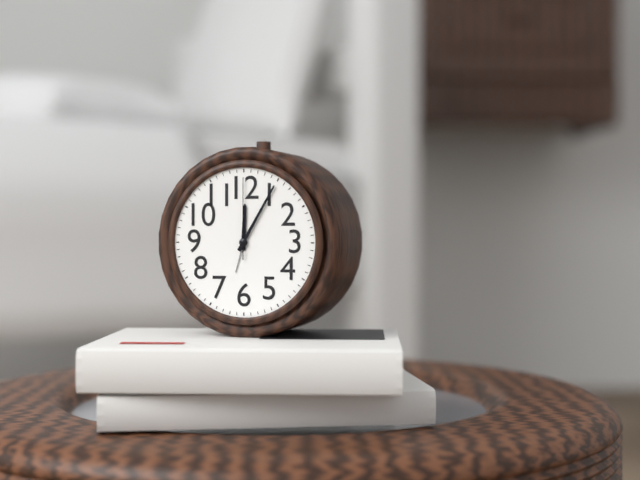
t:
12,05,00
